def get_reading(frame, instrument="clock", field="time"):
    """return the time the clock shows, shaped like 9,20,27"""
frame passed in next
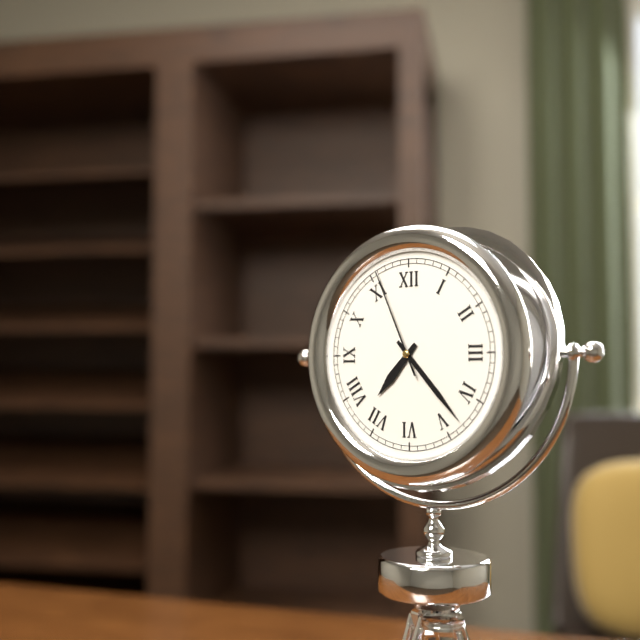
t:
7,23,56
